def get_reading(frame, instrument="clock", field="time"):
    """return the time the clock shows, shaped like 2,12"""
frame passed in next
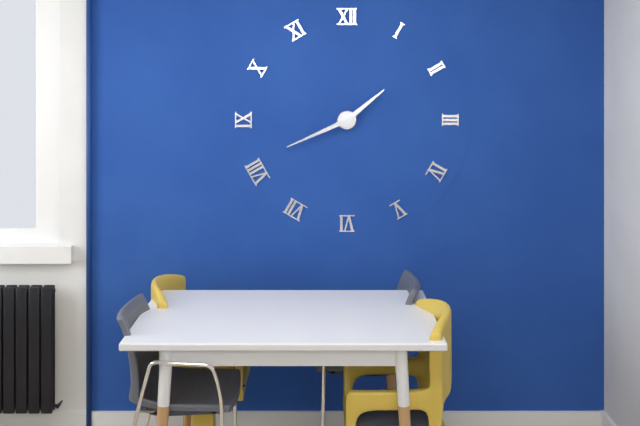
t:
1,41
